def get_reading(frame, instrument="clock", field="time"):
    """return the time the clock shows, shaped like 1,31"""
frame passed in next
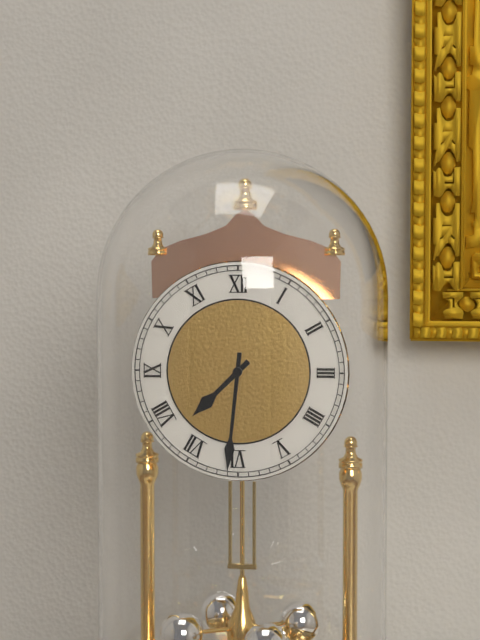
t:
7,31
